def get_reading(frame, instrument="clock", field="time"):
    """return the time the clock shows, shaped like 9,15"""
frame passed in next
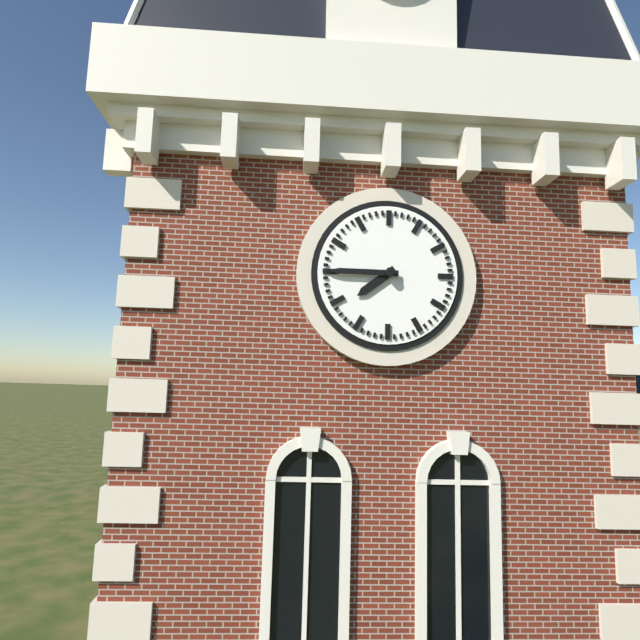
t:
7,45
